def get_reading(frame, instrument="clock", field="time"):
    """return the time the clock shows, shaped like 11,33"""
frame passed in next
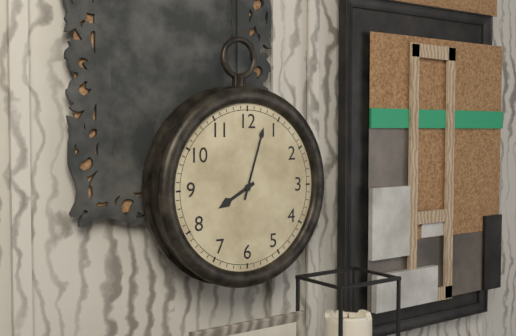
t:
8,03
